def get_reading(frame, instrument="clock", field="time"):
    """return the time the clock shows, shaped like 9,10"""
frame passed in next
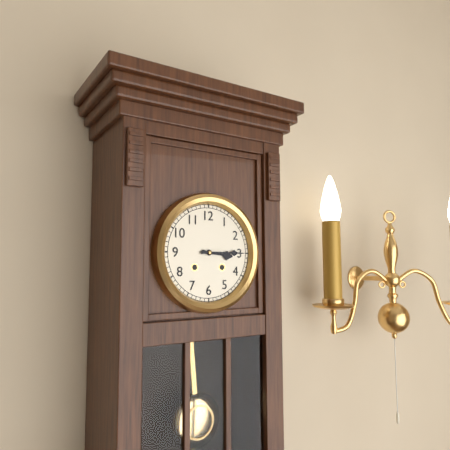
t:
3,15
